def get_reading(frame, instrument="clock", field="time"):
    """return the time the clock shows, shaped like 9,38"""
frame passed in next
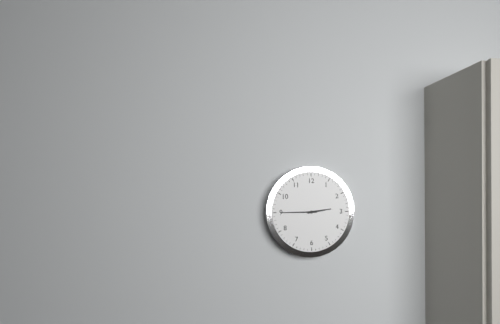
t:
2,45
